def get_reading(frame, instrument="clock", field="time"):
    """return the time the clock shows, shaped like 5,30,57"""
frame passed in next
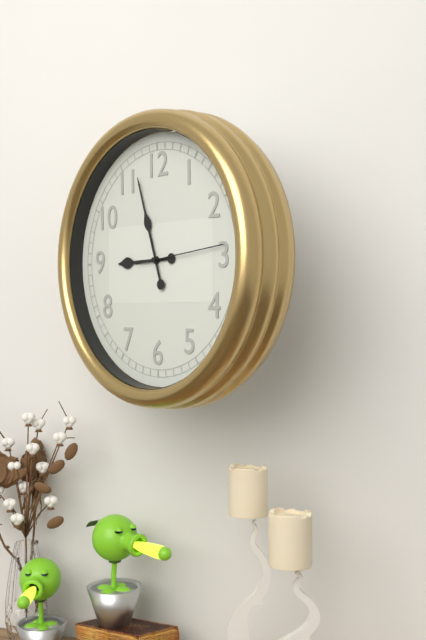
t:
8,57,14
